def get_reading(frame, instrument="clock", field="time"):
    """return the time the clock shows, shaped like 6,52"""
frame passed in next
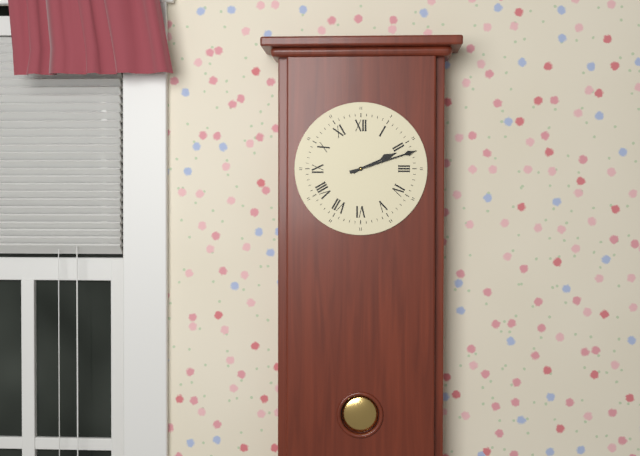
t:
2,12
